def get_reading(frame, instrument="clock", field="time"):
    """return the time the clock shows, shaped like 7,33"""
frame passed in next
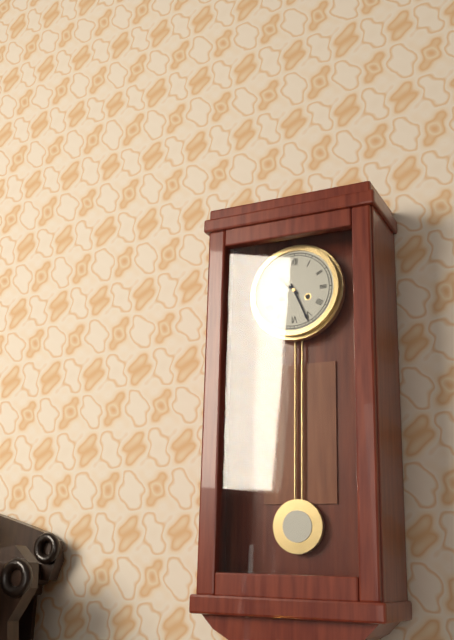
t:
10,26
